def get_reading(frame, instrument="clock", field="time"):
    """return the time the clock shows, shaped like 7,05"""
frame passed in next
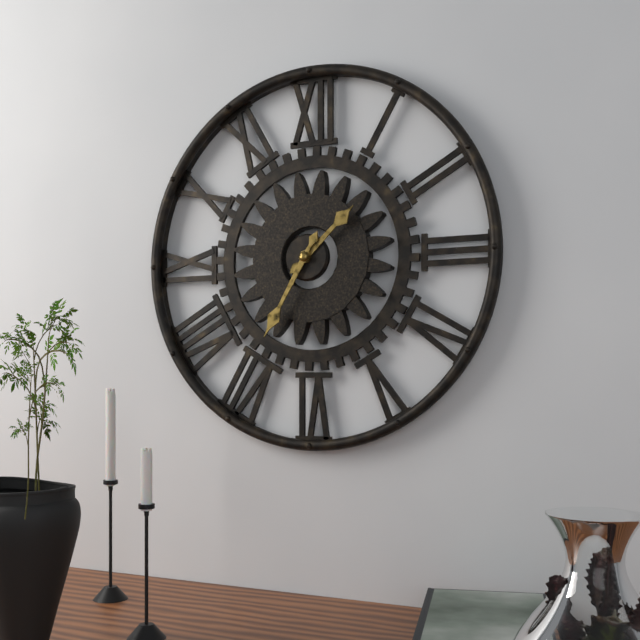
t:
1,35
